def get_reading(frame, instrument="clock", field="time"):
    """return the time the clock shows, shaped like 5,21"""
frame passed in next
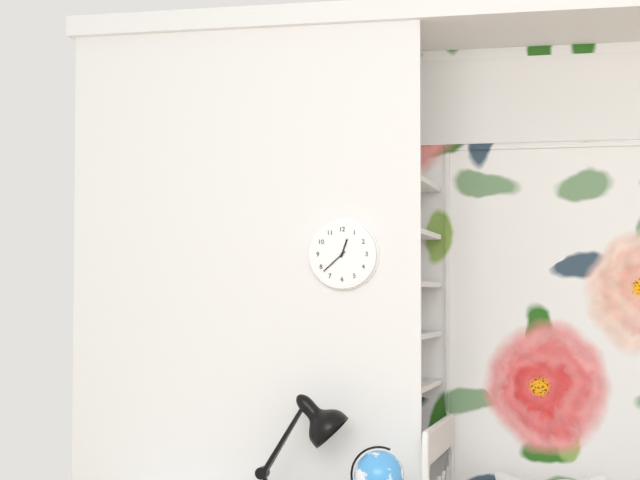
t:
12,38
